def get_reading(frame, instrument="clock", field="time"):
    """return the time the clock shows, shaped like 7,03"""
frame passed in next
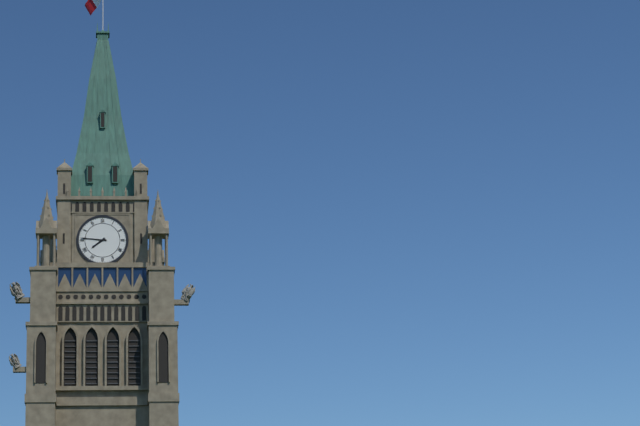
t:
7,46
